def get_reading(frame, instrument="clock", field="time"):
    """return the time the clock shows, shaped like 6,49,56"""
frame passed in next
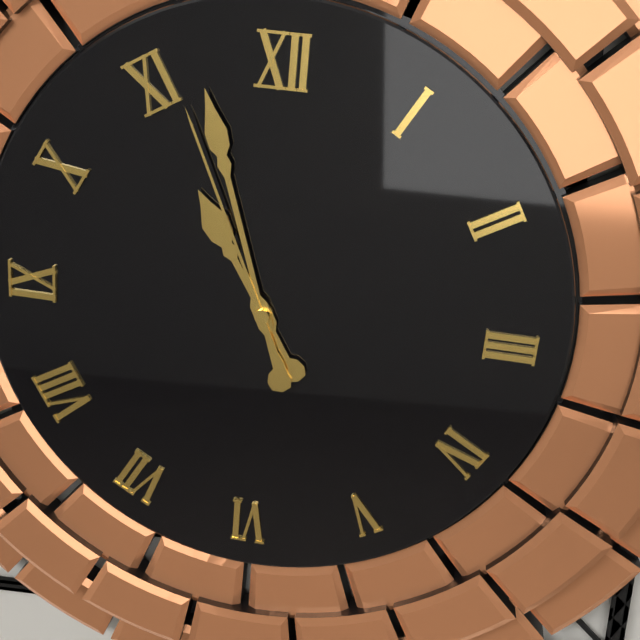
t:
10,57,56
